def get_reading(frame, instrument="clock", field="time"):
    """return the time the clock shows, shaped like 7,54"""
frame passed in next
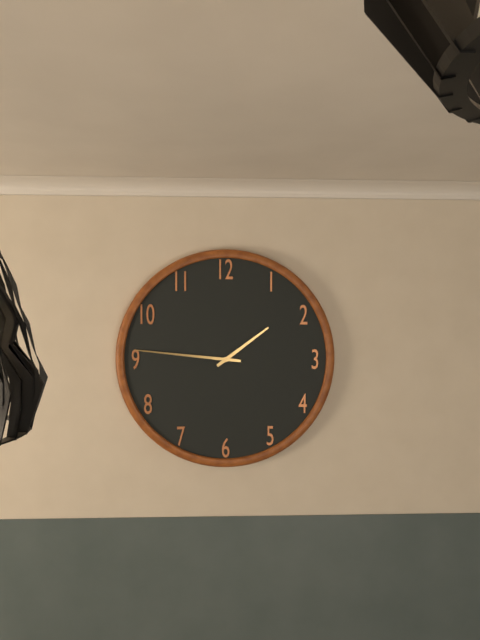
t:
1,46
